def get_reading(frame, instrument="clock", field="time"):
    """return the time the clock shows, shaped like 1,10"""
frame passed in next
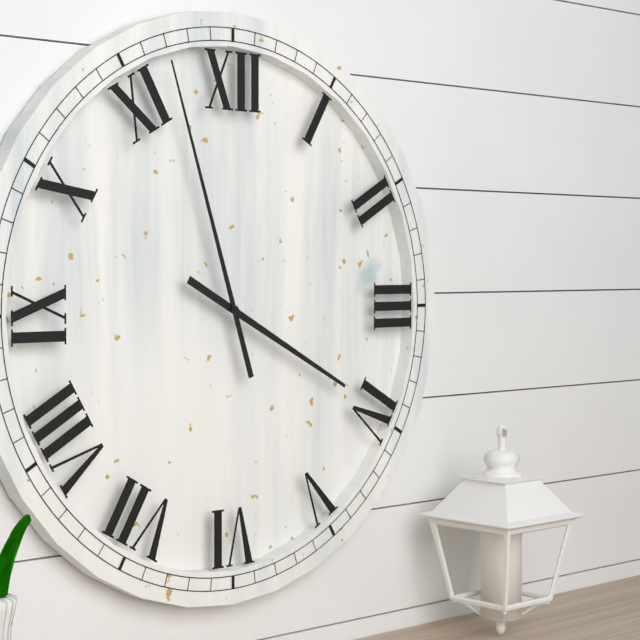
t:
3,57
